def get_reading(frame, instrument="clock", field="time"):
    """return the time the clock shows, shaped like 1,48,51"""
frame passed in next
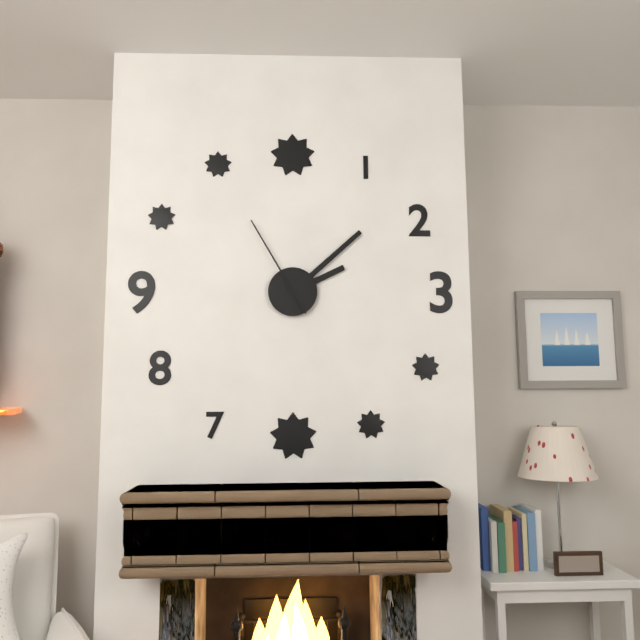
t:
2,08,55
